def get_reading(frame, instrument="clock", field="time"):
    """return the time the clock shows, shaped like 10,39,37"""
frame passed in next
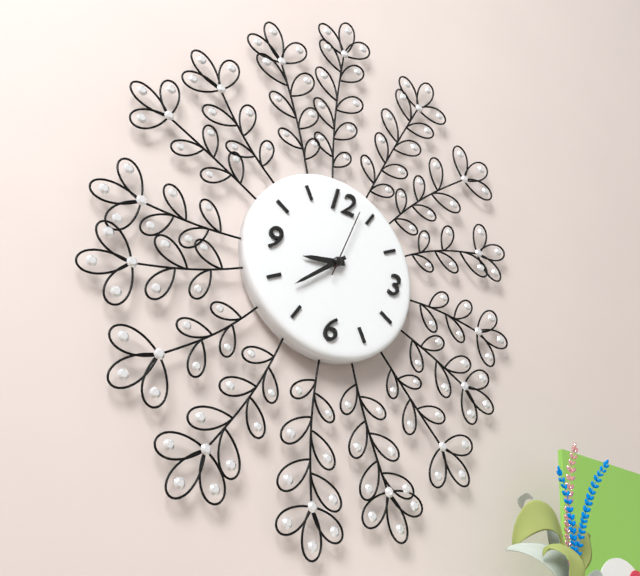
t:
8,38,03
